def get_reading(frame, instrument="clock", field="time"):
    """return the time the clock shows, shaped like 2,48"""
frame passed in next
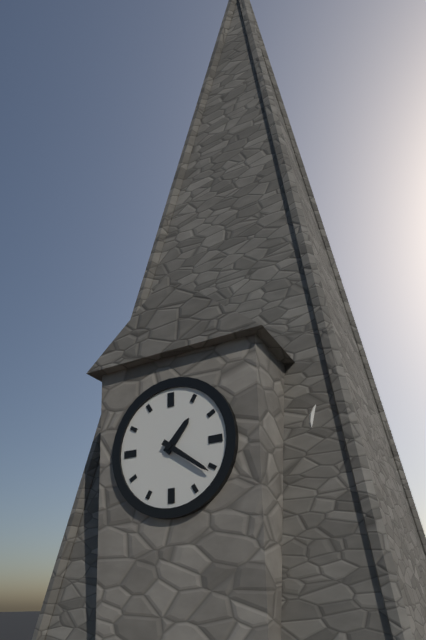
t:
1,21
